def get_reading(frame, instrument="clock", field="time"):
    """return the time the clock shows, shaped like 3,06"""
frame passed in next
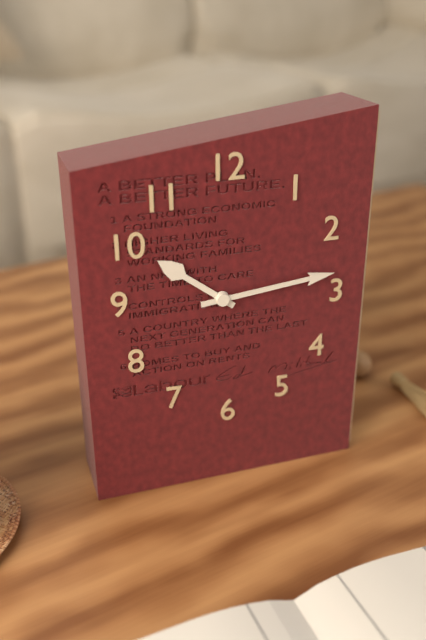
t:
10,14
